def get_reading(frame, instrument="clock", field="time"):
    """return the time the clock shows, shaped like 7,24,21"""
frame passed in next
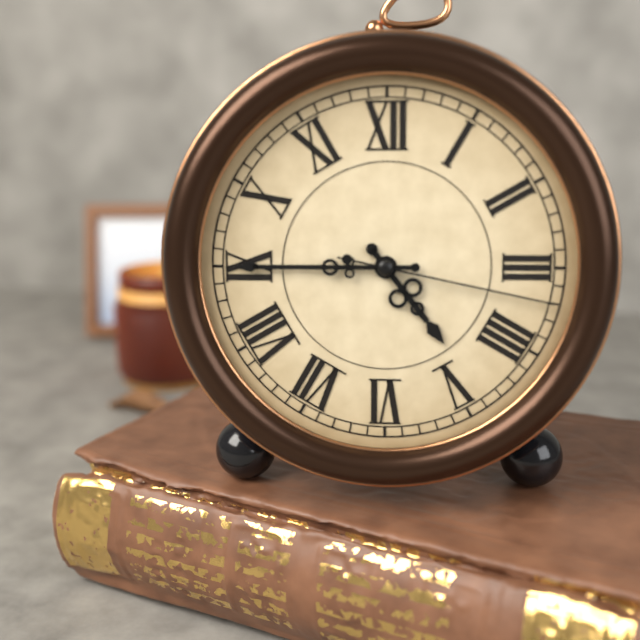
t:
4,45,17
